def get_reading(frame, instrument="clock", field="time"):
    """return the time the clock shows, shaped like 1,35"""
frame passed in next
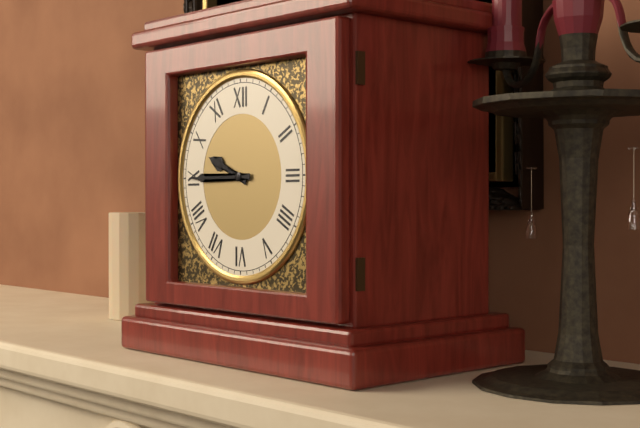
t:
9,45
